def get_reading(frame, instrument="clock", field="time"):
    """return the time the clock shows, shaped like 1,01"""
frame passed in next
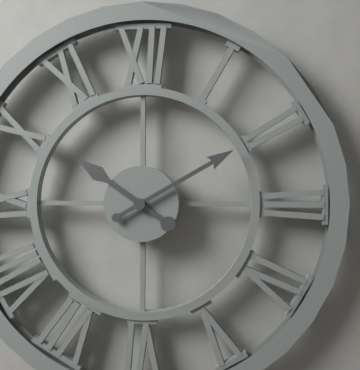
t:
10,10
